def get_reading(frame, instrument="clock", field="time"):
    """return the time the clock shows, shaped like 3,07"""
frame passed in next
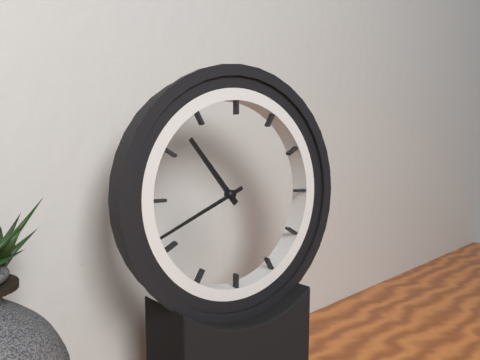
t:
10,41
